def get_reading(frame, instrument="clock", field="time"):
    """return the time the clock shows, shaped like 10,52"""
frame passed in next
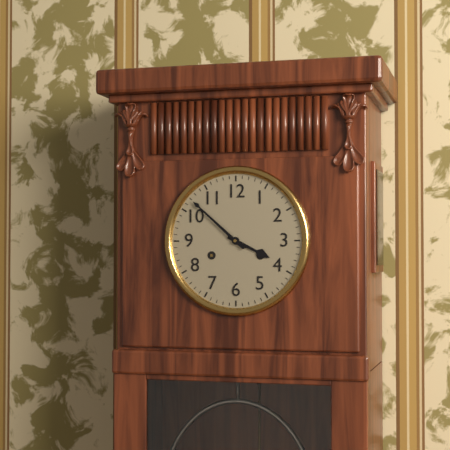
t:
3,52
